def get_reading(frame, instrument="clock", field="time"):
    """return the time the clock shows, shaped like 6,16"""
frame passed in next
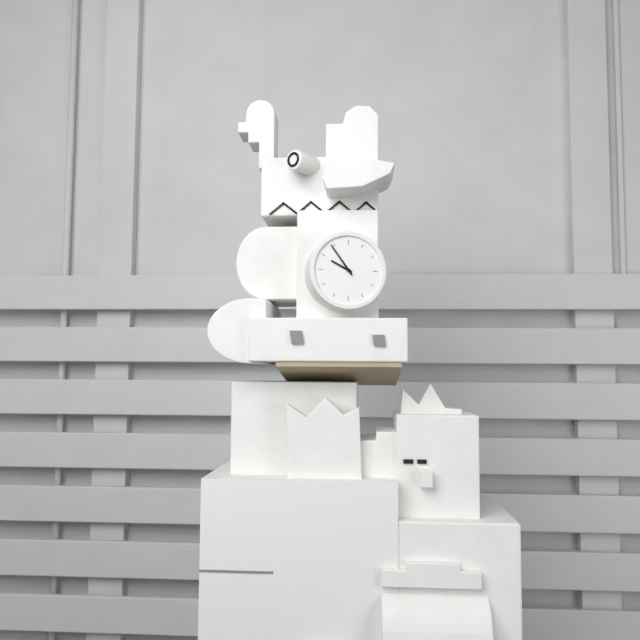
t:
9,54
